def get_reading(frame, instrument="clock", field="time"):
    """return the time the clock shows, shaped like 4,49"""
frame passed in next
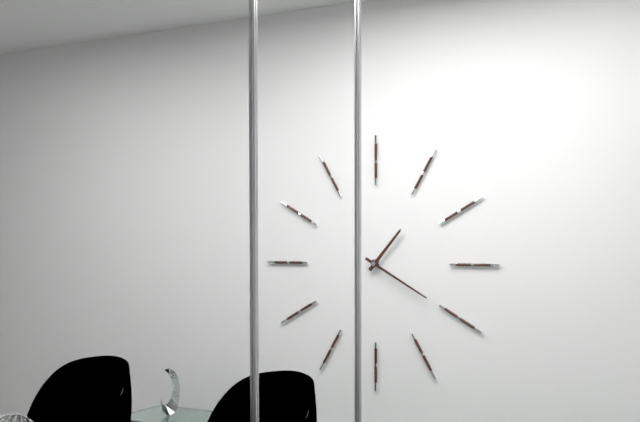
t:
1,20
